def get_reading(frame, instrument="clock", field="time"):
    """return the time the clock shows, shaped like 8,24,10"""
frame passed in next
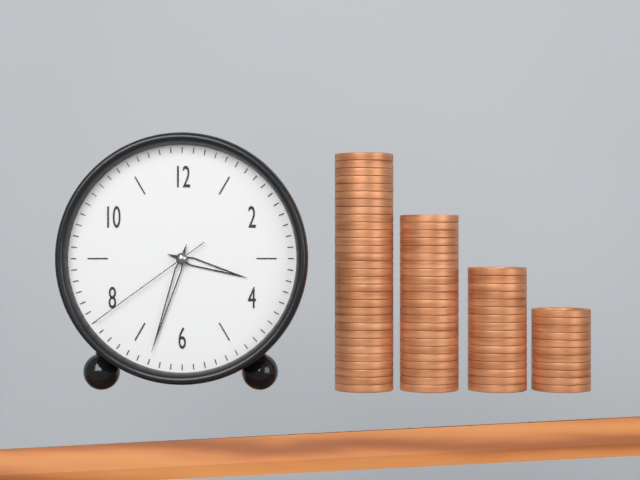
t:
3,33,39
